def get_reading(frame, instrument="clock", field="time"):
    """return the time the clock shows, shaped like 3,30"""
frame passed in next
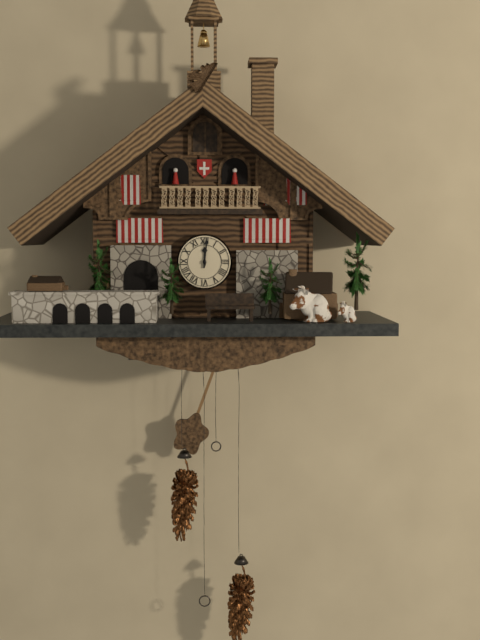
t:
12,01
